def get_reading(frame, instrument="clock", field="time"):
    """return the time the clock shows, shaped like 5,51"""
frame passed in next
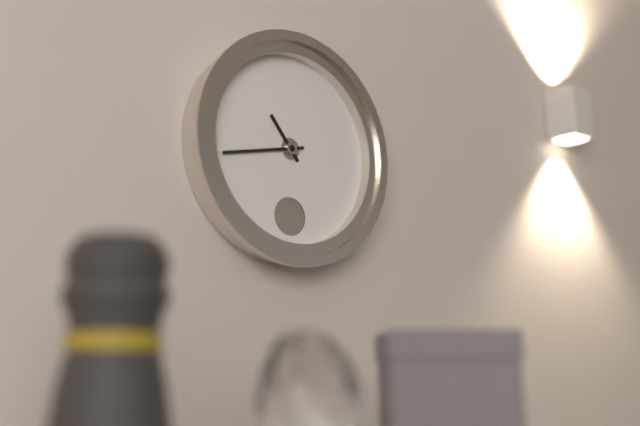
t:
10,43
